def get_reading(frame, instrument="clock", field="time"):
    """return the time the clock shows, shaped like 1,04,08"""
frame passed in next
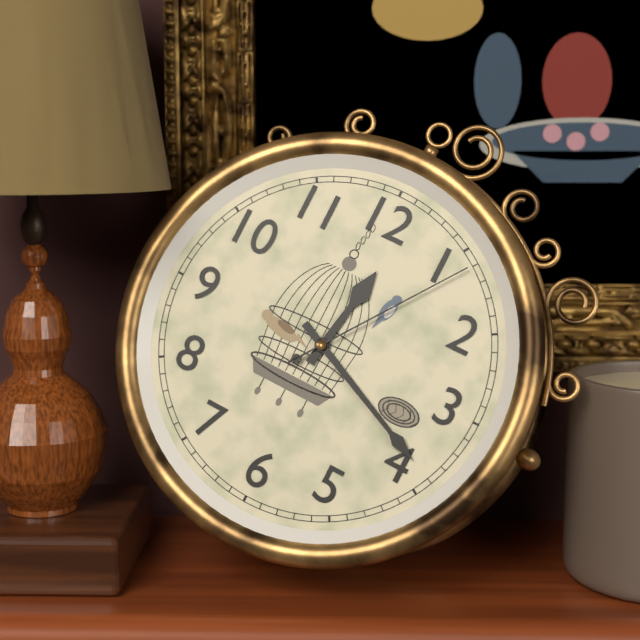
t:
12,19,06
